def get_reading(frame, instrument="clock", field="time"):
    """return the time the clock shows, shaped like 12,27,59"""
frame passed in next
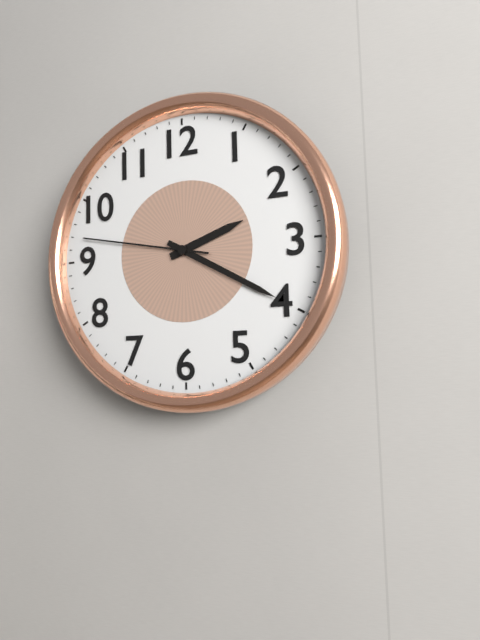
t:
2,20,47
